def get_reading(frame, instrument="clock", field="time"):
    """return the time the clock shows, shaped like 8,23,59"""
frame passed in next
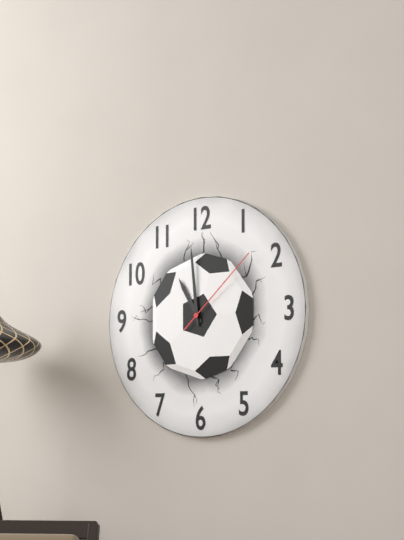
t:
10,59,08
